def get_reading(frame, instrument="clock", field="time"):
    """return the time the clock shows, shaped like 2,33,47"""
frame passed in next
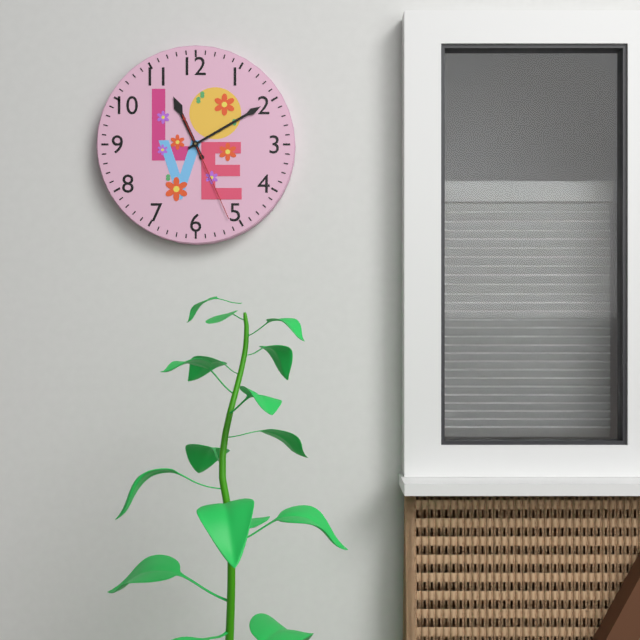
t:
11,10,26
